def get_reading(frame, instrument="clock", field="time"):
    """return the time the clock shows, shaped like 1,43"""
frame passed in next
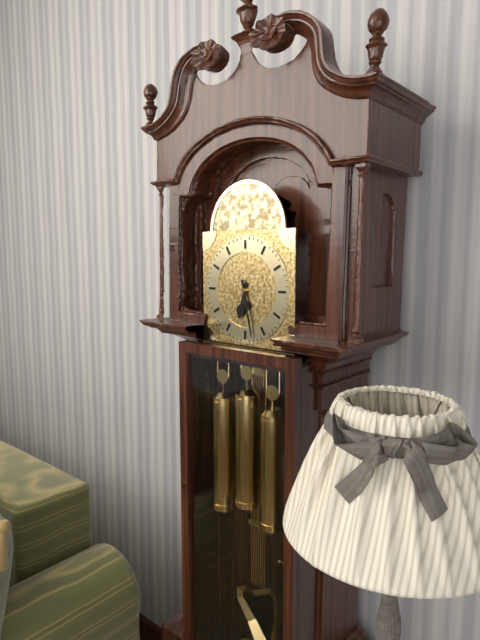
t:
6,28
